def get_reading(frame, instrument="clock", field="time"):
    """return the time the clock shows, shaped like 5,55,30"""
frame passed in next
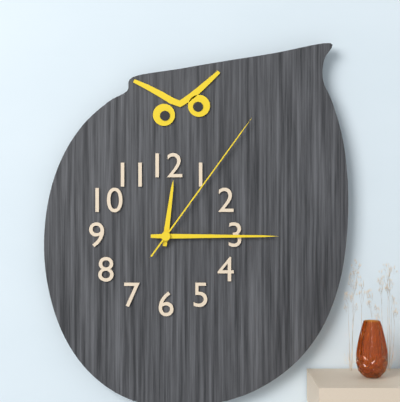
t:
12,15,06
